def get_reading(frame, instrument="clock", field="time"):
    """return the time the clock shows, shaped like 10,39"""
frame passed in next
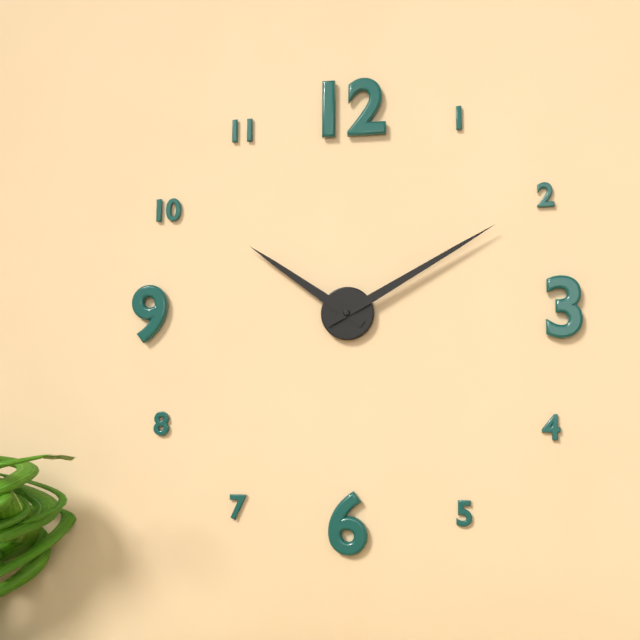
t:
10,10
